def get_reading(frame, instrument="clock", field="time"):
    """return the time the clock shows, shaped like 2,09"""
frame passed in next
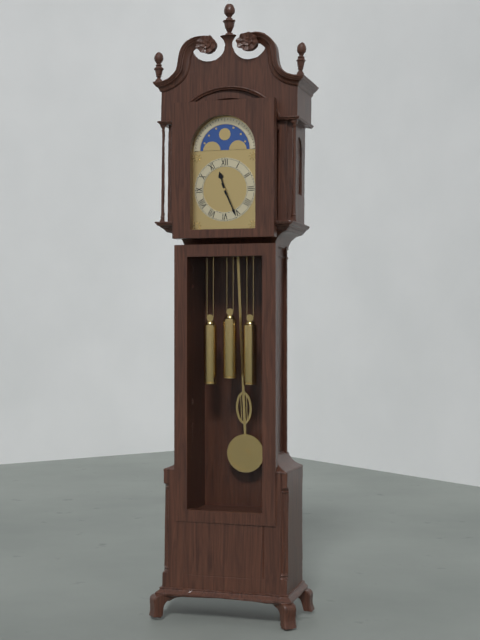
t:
11,26
